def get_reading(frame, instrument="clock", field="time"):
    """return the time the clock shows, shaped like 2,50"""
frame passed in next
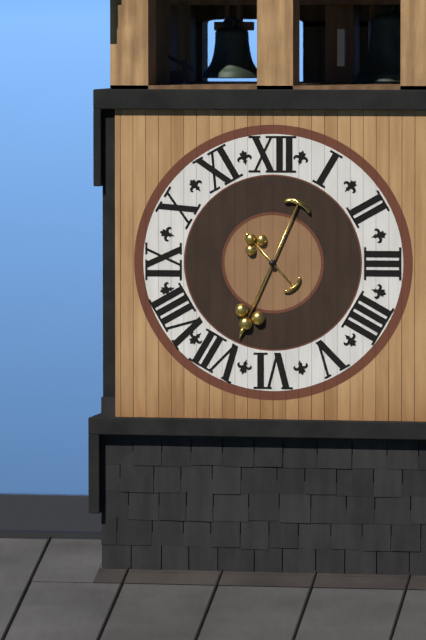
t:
10,34
